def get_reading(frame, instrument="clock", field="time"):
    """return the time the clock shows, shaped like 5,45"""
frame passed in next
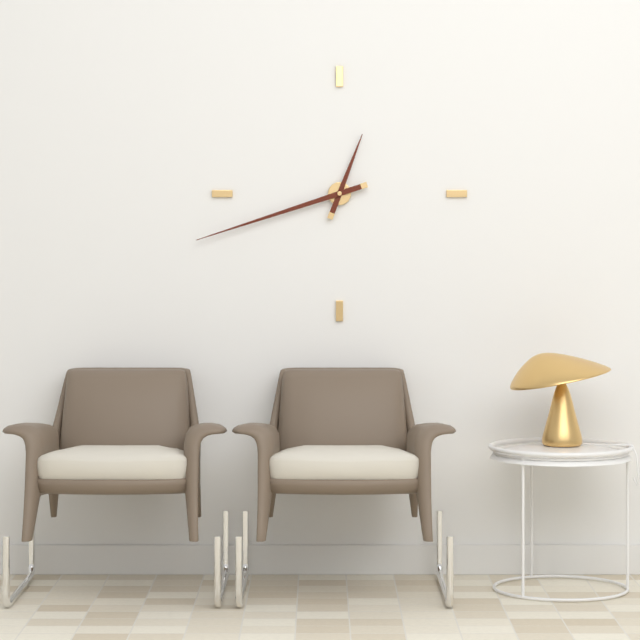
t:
12,42
